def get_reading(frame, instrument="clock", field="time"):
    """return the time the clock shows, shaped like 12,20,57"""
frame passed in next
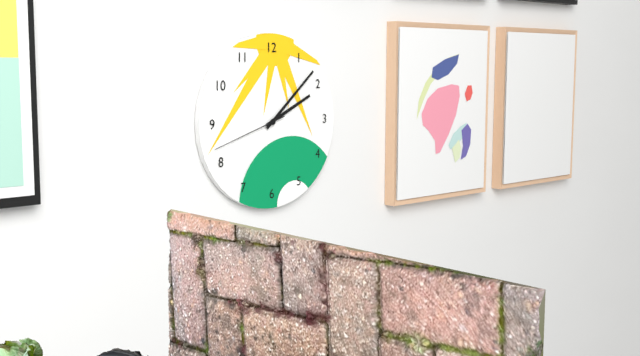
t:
2,08,42
